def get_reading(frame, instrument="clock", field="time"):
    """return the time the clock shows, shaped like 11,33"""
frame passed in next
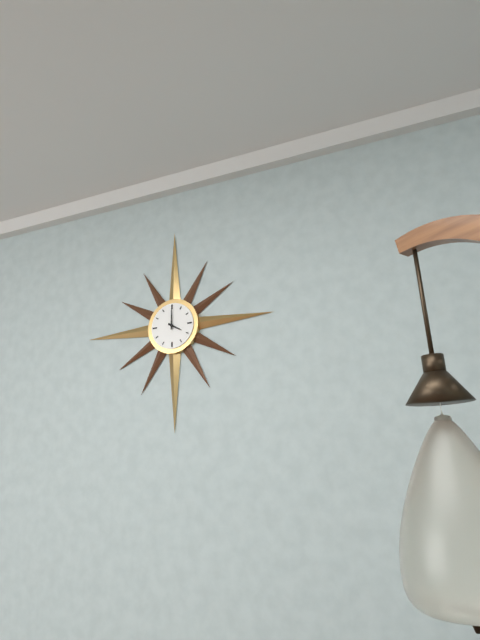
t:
4,00
